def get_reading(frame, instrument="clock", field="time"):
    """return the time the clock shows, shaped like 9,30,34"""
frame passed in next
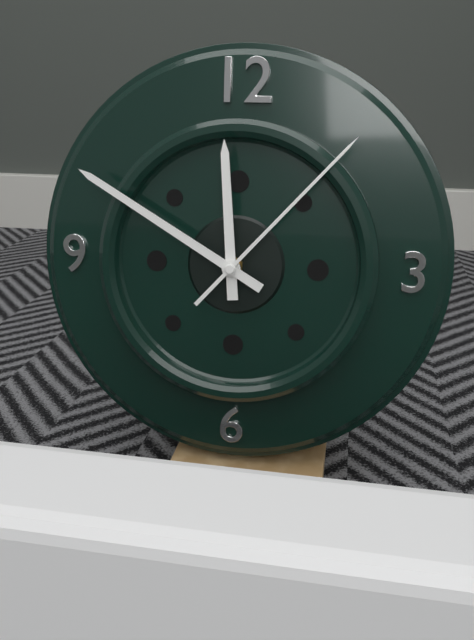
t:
11,50,07
